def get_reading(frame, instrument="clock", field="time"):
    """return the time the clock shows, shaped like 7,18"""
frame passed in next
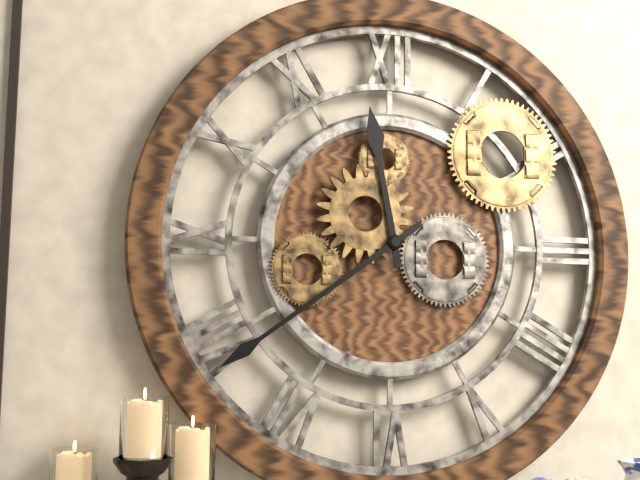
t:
11,39
